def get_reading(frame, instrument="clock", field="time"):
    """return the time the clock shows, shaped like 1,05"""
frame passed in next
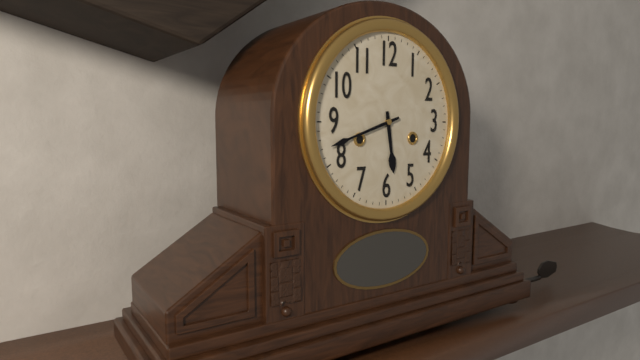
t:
5,42
